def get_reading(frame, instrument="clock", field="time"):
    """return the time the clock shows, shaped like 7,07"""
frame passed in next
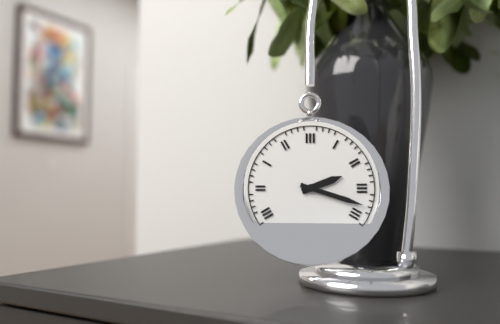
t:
2,18
